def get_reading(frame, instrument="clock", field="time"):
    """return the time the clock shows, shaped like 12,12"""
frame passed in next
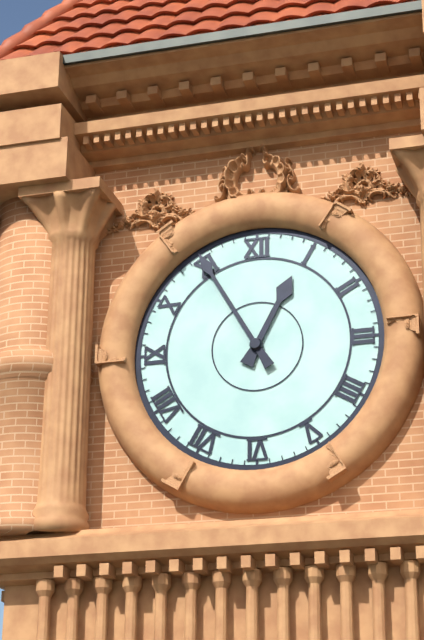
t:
12,55
